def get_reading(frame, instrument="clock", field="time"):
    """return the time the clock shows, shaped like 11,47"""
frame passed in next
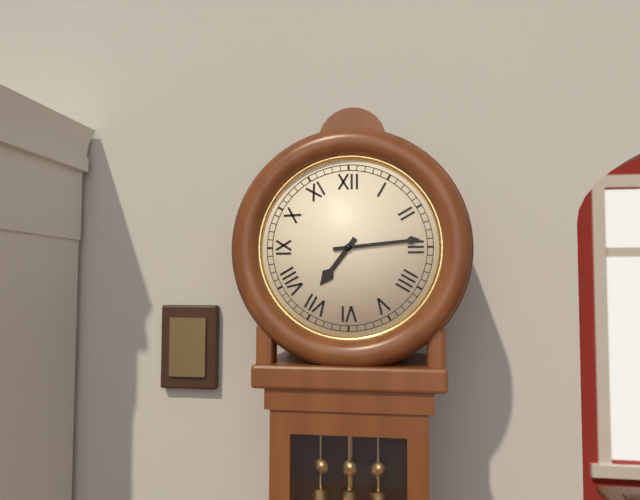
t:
7,14
